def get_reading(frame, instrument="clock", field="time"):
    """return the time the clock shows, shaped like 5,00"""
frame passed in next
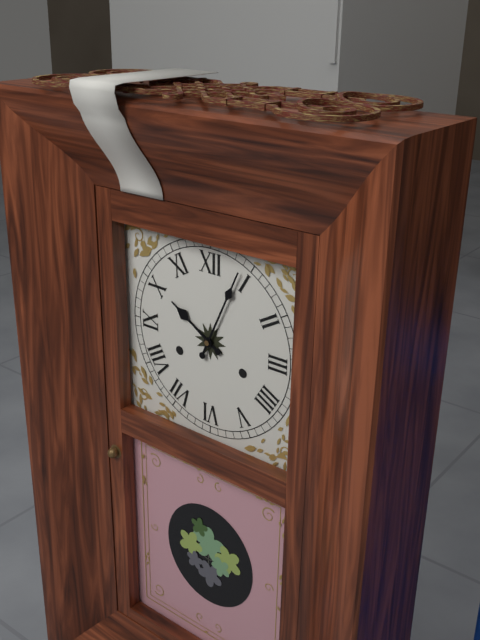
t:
10,04
